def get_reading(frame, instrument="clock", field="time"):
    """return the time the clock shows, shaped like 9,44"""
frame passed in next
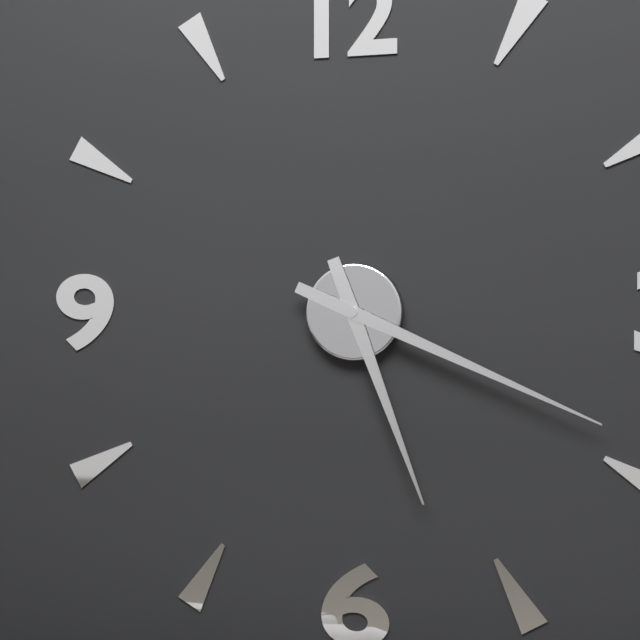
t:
5,19
